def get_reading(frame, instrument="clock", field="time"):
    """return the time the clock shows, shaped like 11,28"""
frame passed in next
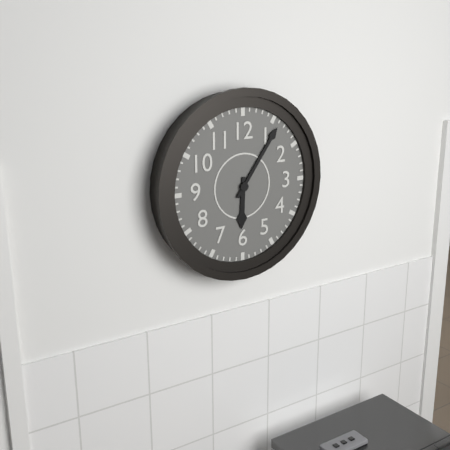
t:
6,06
